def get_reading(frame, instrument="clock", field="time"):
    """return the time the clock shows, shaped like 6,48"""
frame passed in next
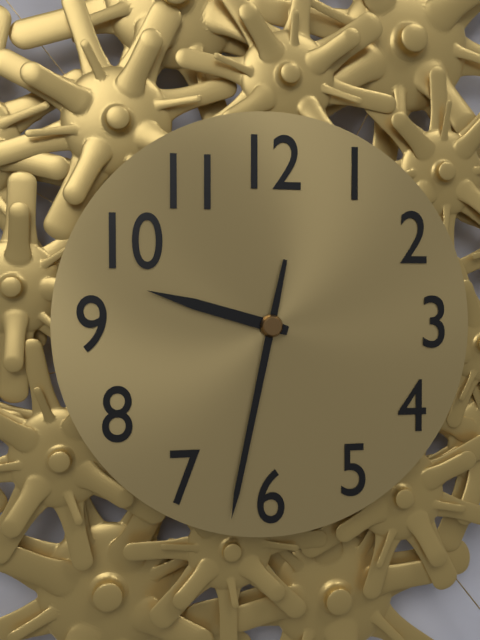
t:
9,32
